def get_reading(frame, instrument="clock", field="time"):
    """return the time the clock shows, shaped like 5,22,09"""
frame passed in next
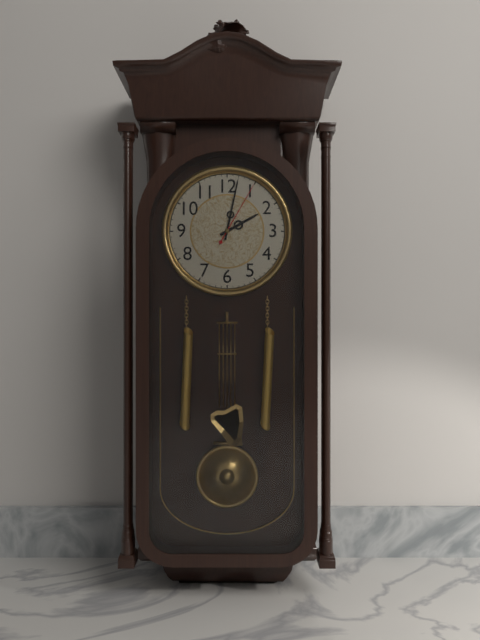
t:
2,02,05
